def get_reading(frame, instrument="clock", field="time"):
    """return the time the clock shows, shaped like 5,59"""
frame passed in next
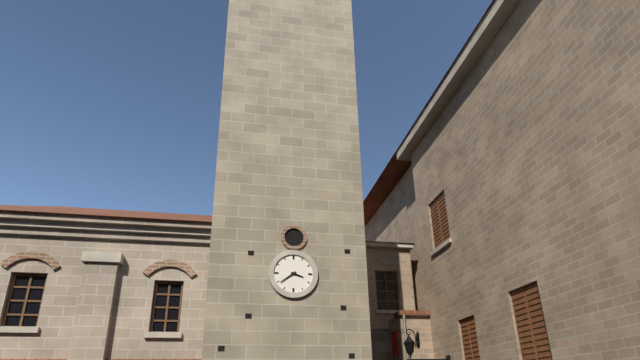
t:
3,39
